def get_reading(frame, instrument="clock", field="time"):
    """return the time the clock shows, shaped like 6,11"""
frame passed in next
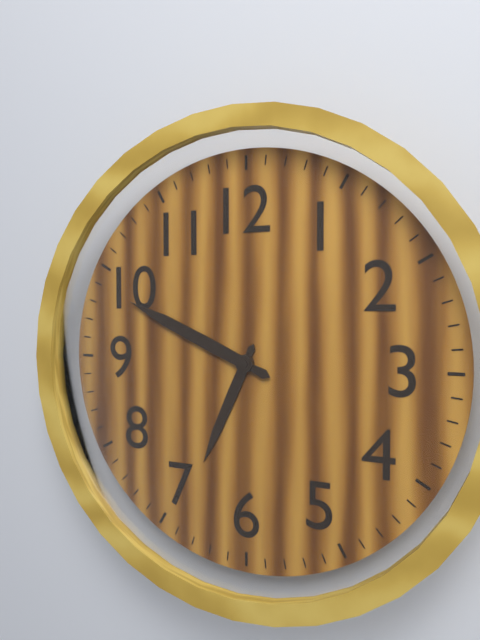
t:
6,49
